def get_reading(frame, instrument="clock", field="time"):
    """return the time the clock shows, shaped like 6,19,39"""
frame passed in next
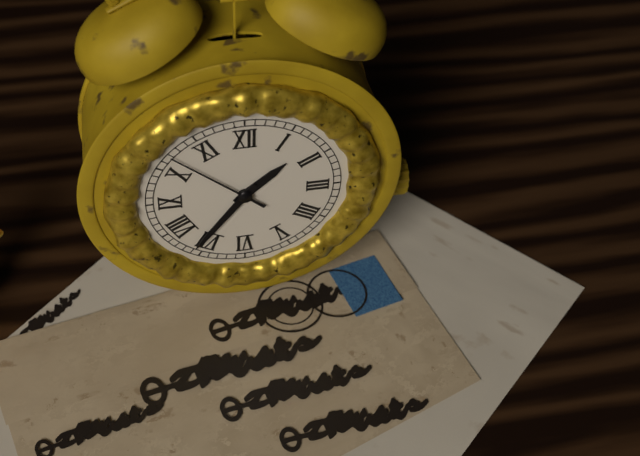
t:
1,36,52
